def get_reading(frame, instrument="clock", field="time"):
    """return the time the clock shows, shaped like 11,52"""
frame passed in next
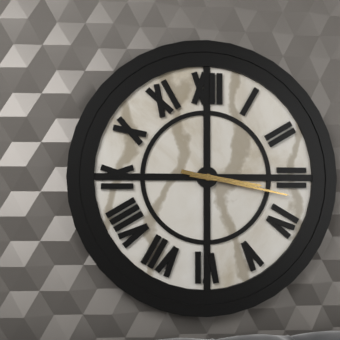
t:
3,17
